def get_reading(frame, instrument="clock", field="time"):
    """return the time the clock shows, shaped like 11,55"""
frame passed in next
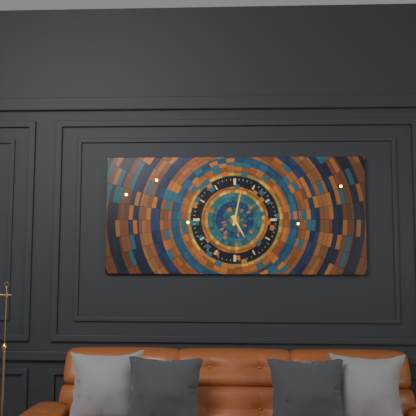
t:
5,02
